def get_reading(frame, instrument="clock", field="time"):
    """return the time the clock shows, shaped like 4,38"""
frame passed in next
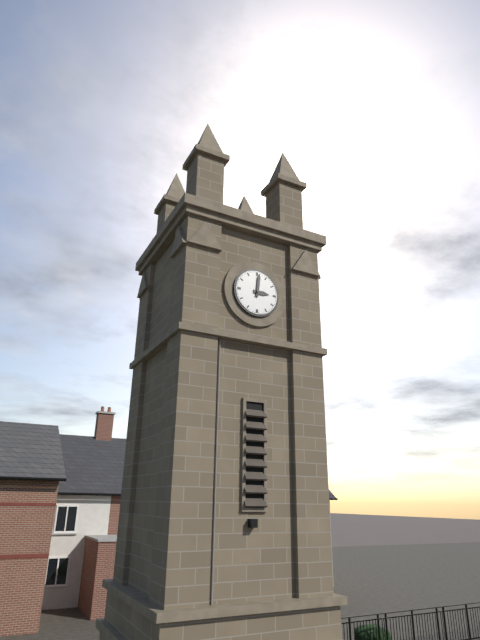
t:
3,01
